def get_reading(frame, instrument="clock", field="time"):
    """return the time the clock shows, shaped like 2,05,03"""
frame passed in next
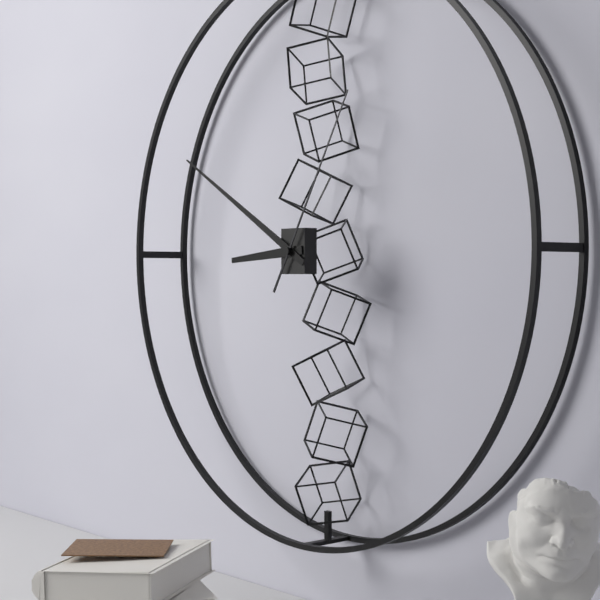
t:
8,50,05
